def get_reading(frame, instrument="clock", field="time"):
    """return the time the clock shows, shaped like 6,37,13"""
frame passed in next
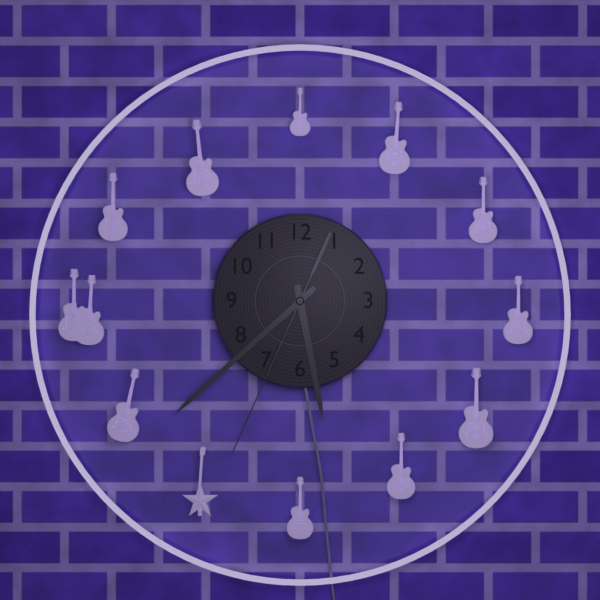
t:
5,38,34
